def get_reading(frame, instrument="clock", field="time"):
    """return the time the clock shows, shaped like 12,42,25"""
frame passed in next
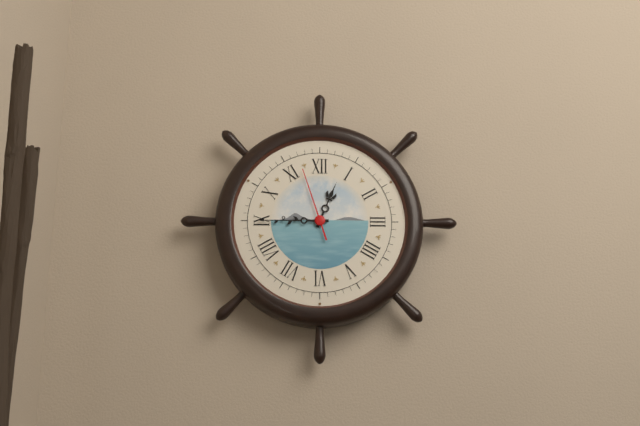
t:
12,45,57
